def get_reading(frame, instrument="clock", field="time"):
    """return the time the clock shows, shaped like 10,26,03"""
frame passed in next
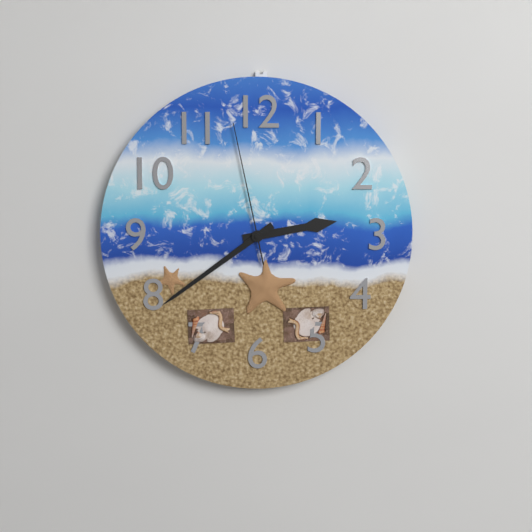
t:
2,39,58
